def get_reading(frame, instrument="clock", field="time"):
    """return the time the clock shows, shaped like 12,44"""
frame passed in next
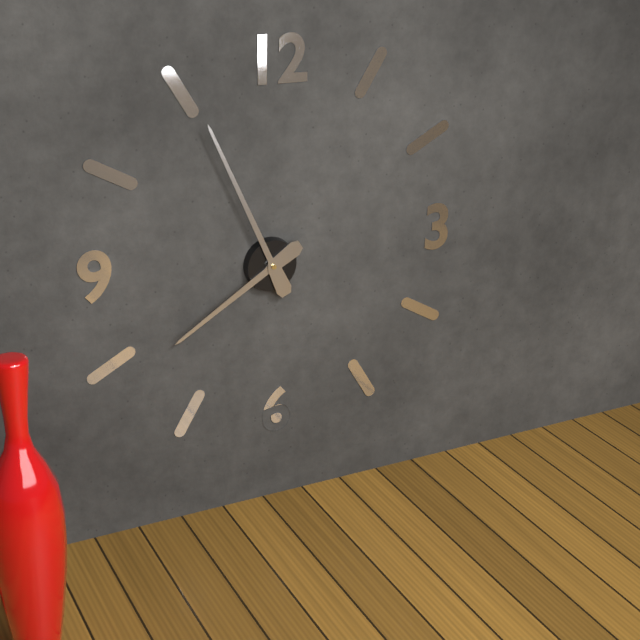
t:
7,56
